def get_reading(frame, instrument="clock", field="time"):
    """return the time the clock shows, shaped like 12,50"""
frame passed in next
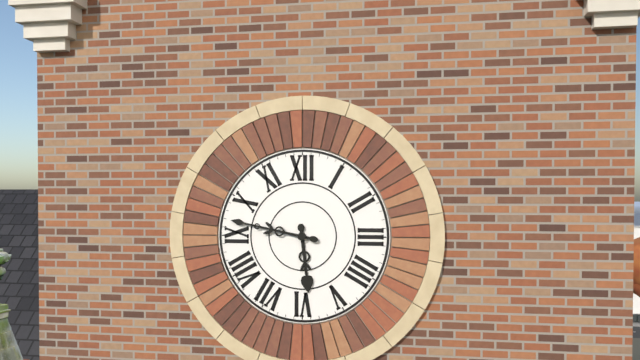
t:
5,47
